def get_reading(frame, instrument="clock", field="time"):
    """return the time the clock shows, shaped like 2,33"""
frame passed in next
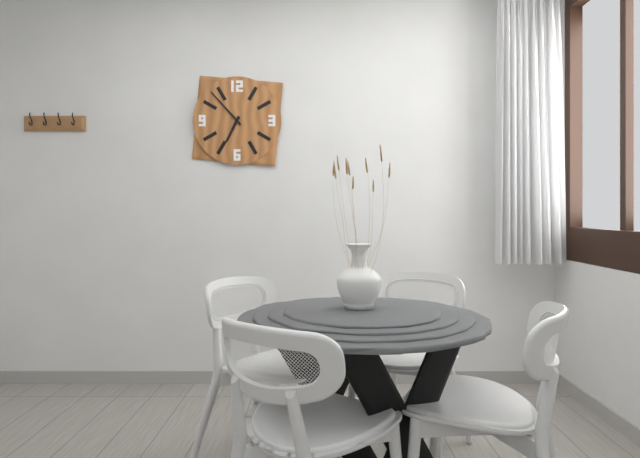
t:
6,53
